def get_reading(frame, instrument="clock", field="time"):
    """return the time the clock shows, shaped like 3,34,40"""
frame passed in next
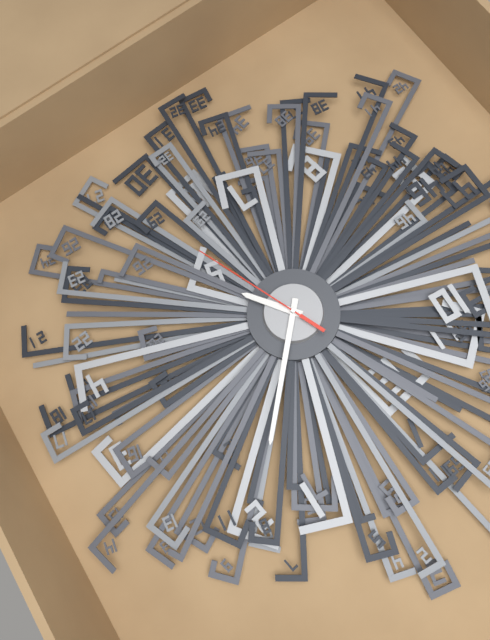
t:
5,09,28
